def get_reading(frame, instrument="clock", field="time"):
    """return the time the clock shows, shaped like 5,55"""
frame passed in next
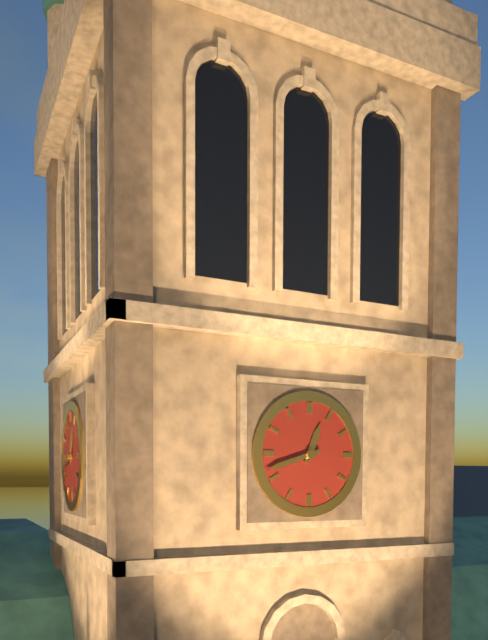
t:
12,42
